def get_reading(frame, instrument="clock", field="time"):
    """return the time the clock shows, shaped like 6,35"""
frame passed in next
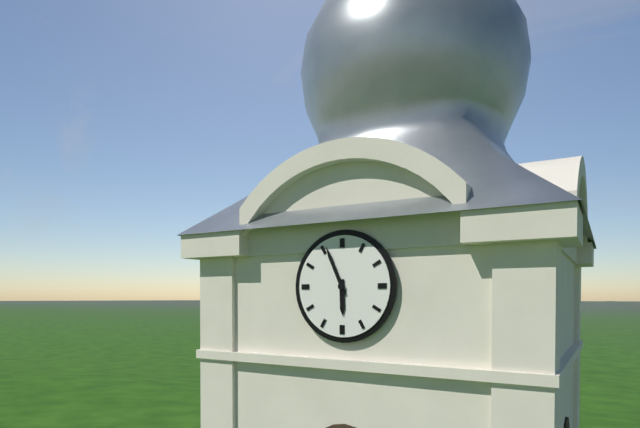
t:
5,56
